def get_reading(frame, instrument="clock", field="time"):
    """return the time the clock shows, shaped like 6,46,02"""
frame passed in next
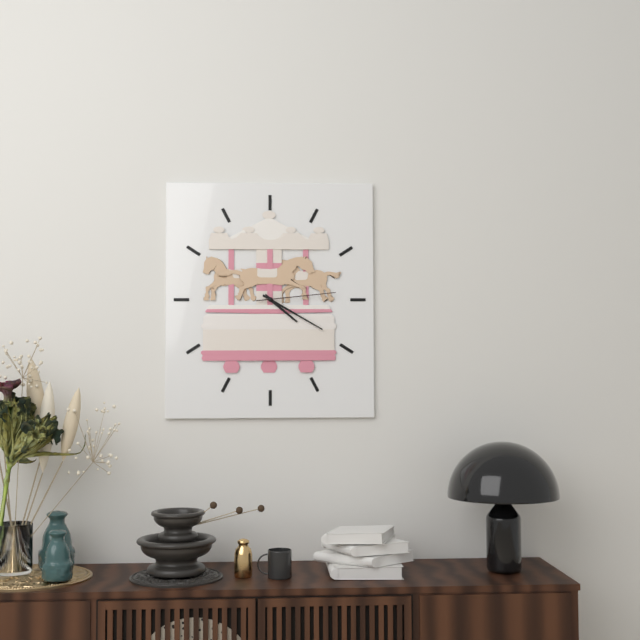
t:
4,20,14
